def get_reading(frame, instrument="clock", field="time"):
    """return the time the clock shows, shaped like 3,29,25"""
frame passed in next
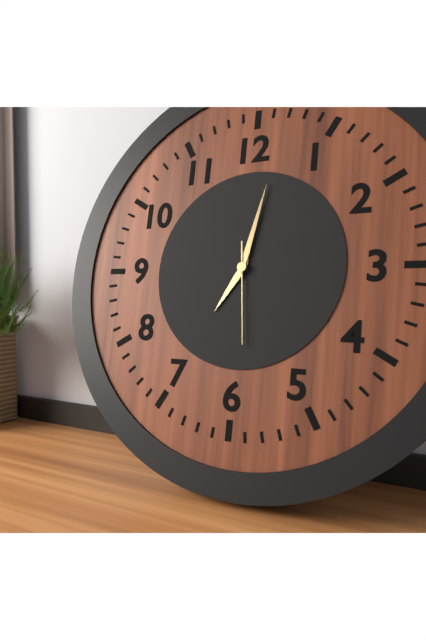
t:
7,02,29
